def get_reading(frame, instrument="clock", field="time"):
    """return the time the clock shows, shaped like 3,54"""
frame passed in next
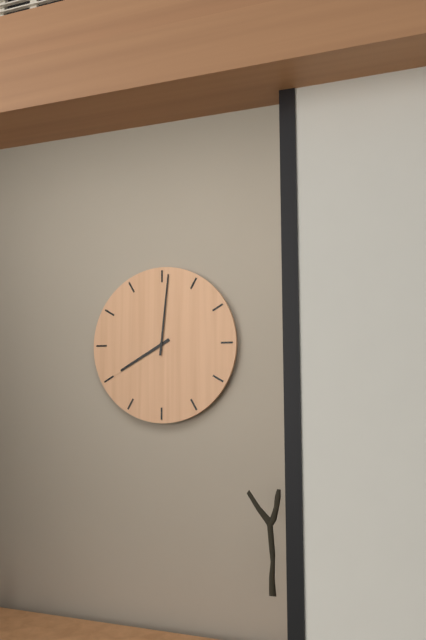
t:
8,01
